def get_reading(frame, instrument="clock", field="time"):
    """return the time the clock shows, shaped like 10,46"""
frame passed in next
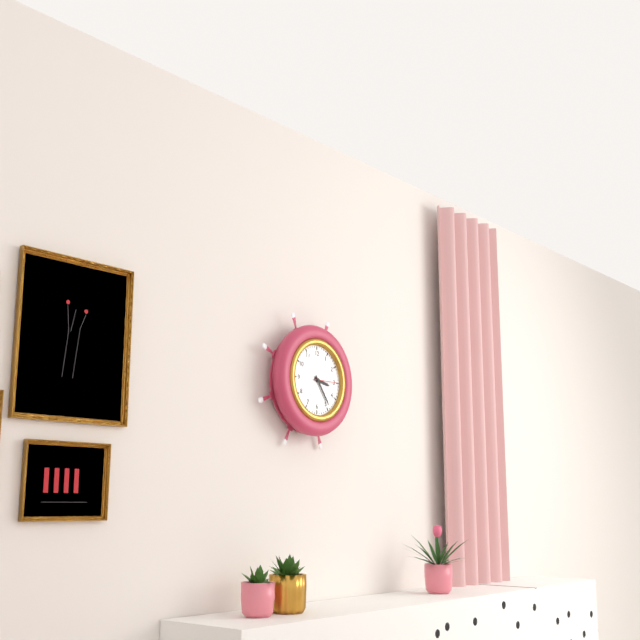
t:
3,24
